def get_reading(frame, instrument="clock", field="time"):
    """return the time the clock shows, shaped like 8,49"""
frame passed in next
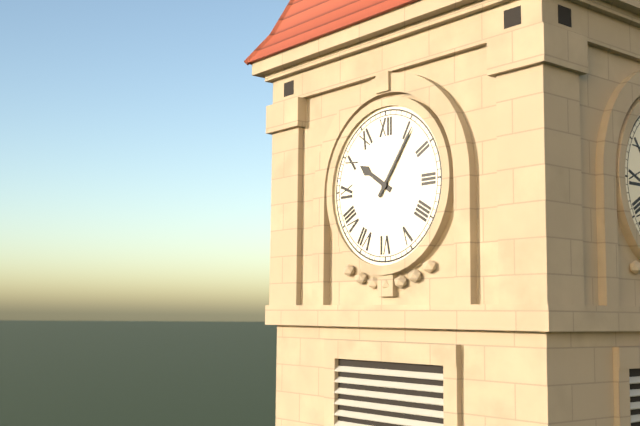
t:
10,06
